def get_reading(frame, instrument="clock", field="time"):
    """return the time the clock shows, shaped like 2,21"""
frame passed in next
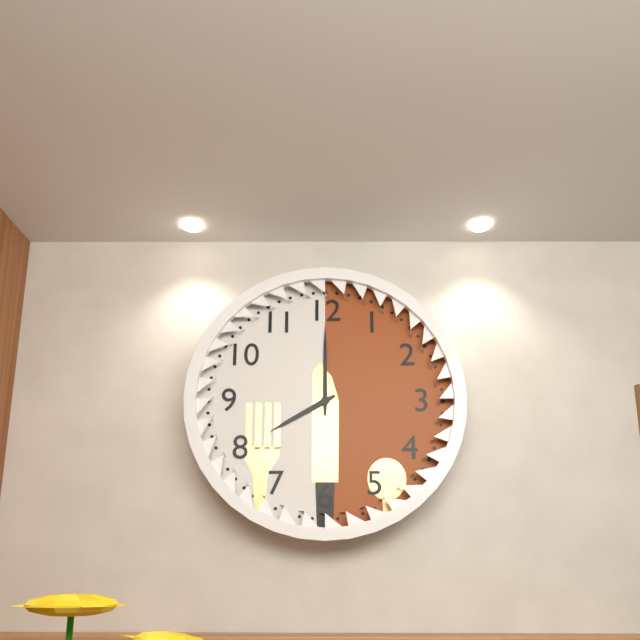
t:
8,00
